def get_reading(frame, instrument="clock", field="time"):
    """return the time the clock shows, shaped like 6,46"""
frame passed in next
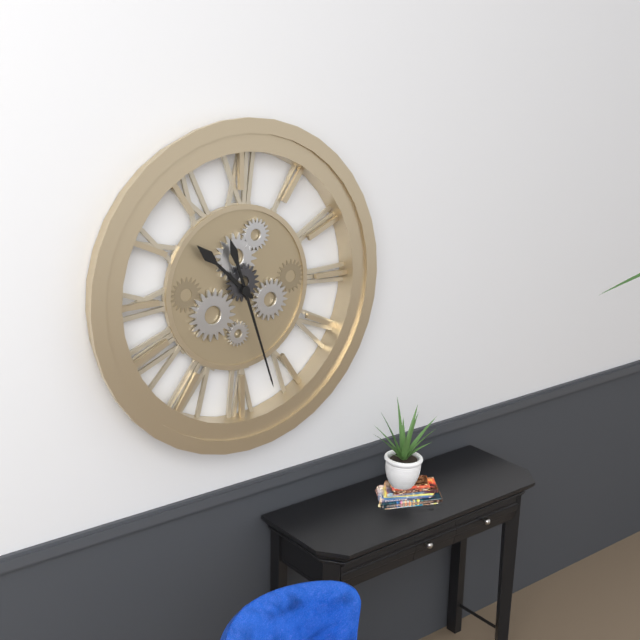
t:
10,27
